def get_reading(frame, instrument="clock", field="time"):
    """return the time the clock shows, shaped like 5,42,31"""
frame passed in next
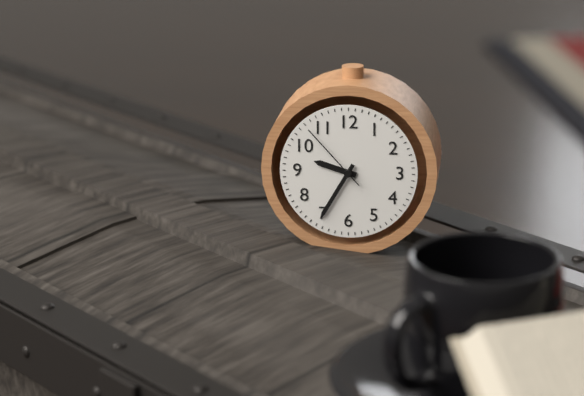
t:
9,35,53
